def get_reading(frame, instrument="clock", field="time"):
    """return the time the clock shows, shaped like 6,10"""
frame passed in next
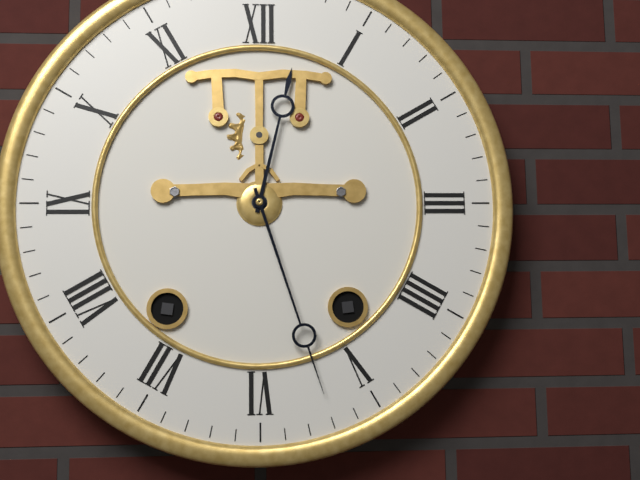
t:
12,27
